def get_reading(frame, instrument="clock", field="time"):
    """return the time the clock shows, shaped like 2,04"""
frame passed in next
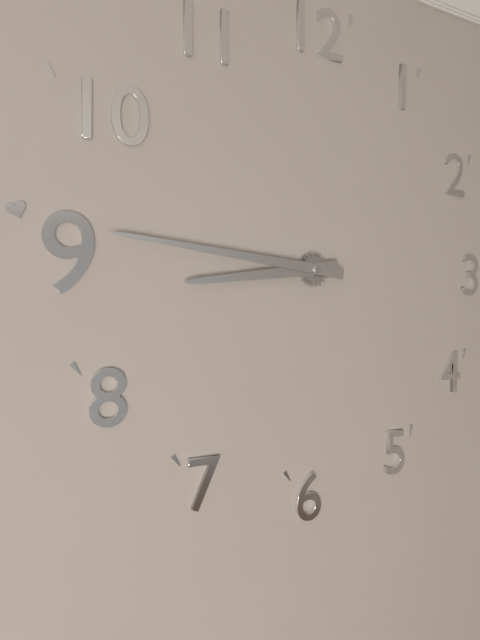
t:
8,46
